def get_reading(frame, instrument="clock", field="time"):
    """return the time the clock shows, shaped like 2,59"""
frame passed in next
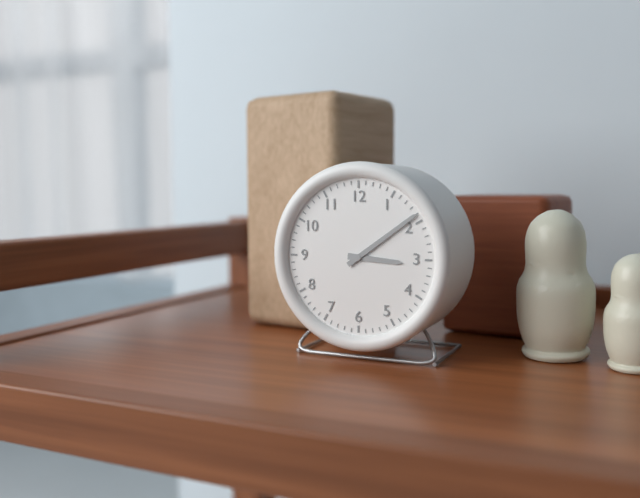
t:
3,09
